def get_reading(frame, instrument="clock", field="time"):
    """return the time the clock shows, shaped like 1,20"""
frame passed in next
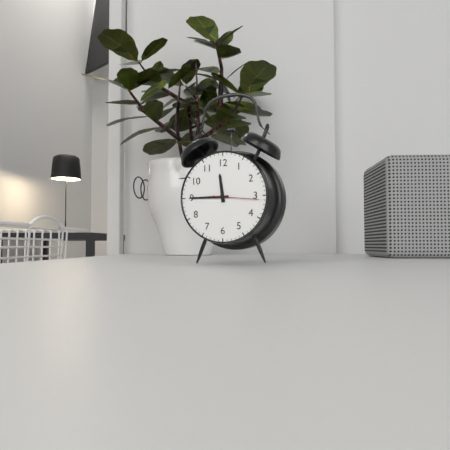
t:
11,45
